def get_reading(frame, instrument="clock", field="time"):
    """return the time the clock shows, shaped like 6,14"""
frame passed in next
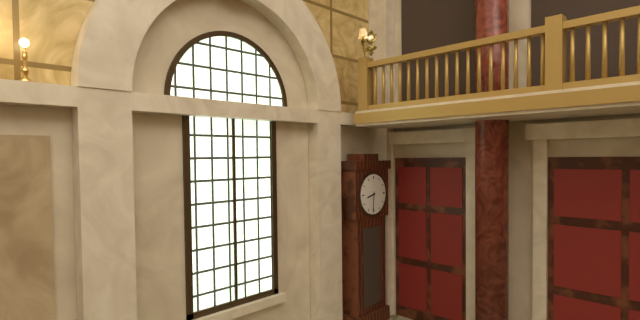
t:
8,31
